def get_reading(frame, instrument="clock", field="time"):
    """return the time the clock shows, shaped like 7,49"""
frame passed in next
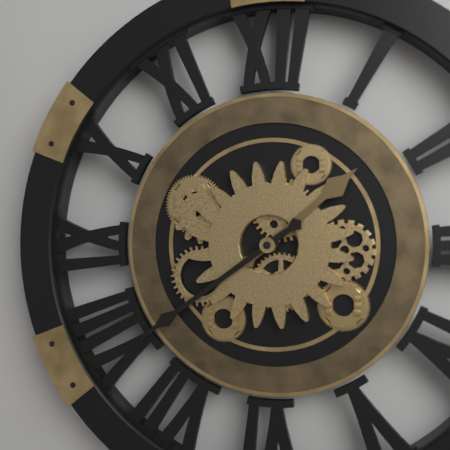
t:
1,39
